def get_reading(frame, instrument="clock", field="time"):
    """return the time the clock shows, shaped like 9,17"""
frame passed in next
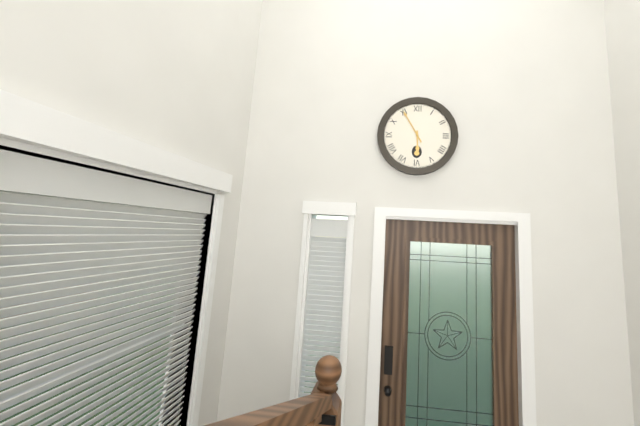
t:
5,55
